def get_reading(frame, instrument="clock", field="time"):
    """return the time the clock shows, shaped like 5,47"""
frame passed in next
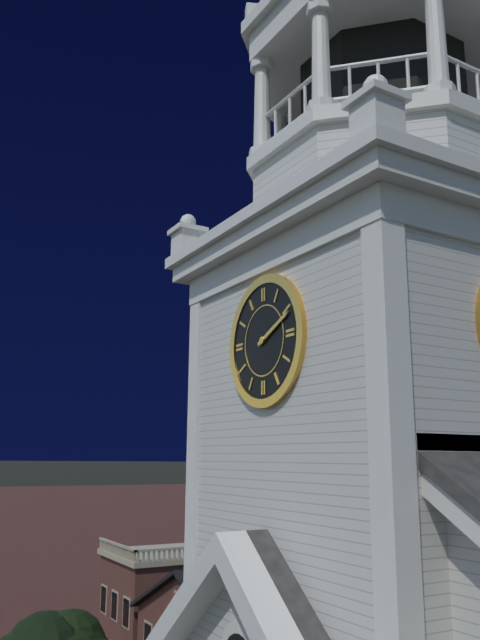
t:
2,11
